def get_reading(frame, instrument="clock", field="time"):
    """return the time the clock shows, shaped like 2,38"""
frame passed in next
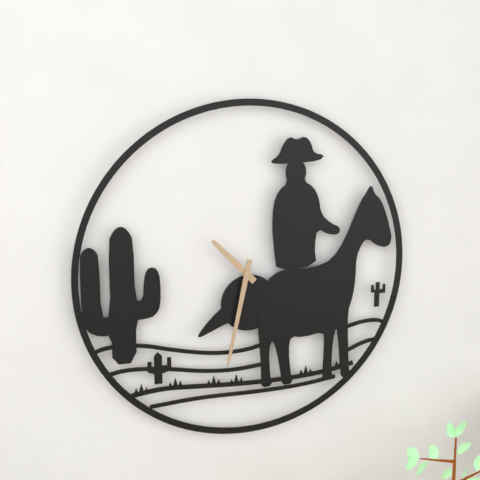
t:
10,32
